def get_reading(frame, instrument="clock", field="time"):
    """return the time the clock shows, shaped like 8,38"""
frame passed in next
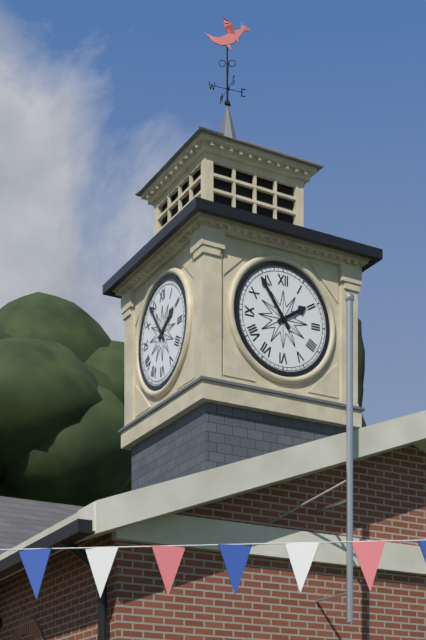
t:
1,54
